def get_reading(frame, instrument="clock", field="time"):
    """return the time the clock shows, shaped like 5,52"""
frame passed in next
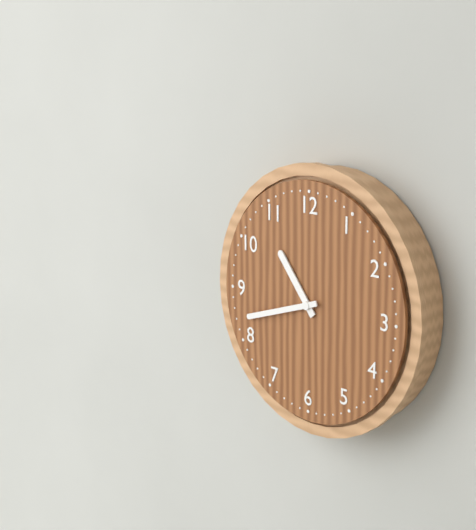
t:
10,42
